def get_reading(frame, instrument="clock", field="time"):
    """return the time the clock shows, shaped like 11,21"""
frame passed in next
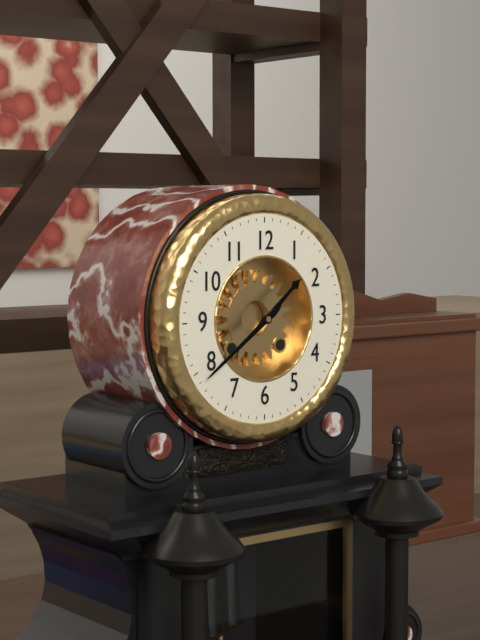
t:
1,39
